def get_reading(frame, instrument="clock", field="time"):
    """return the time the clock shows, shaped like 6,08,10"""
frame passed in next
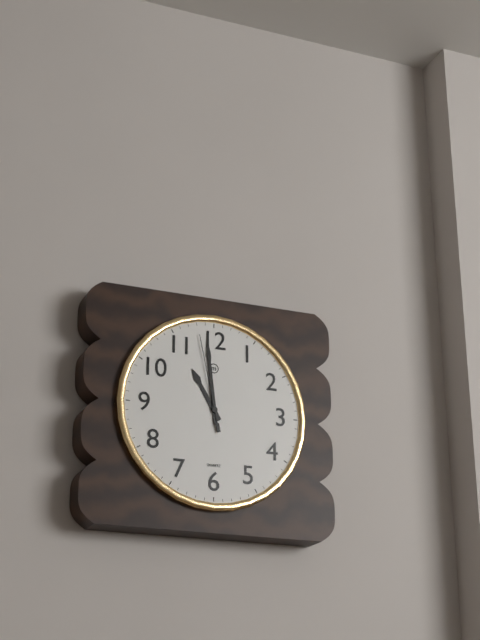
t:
10,59,58
